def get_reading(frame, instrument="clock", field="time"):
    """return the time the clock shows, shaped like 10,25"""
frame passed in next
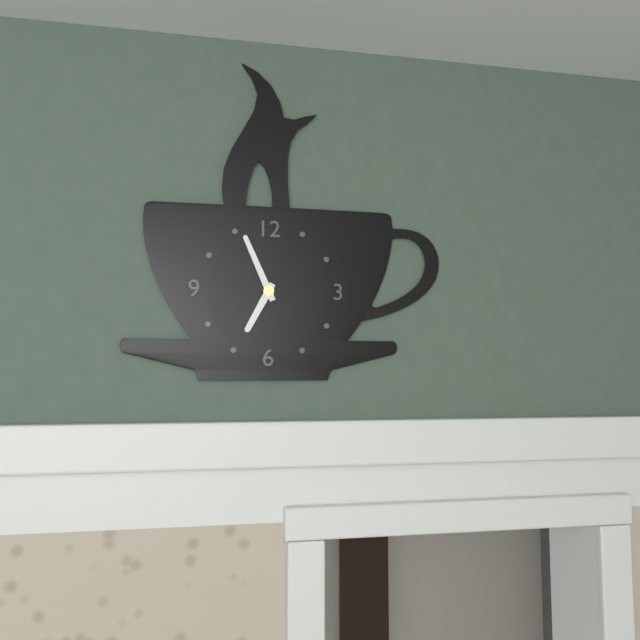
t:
6,56
